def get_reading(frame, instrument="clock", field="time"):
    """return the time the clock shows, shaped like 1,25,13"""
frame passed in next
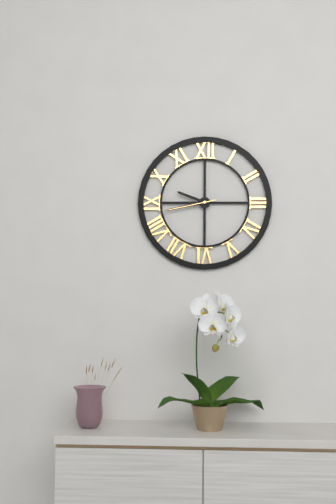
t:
9,43,43
